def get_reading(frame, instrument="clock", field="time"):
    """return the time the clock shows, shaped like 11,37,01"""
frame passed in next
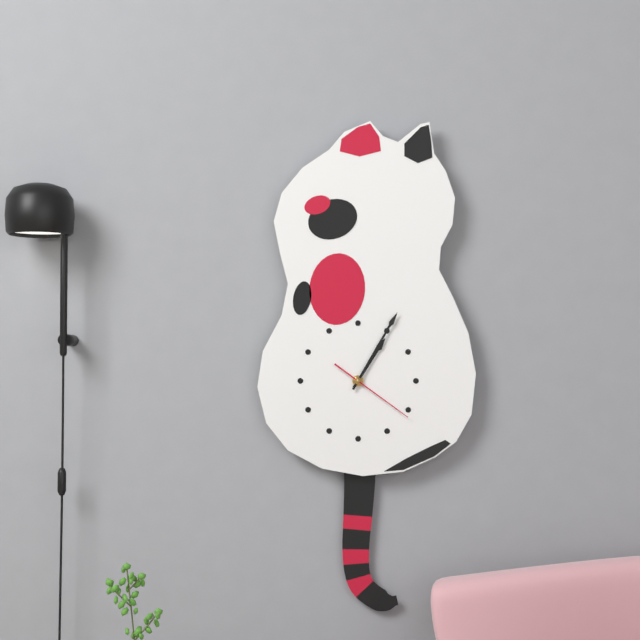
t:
1,05,21
